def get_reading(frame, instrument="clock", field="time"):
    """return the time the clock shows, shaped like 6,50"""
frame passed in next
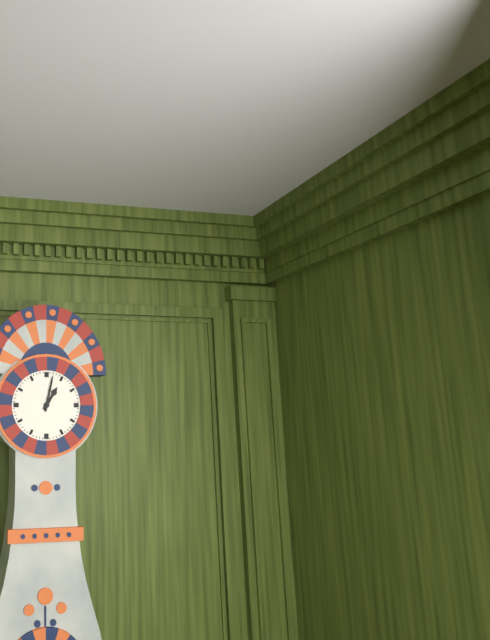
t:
1,02
